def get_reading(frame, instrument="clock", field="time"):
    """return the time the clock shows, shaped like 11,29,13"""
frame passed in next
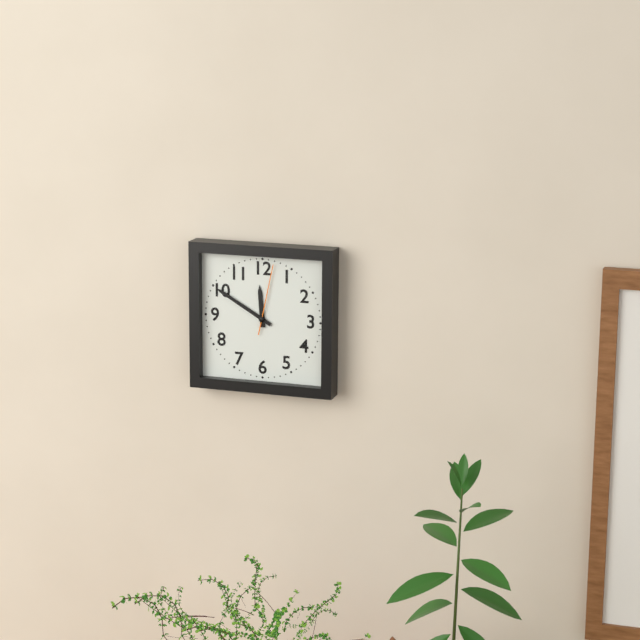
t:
11,50,02
